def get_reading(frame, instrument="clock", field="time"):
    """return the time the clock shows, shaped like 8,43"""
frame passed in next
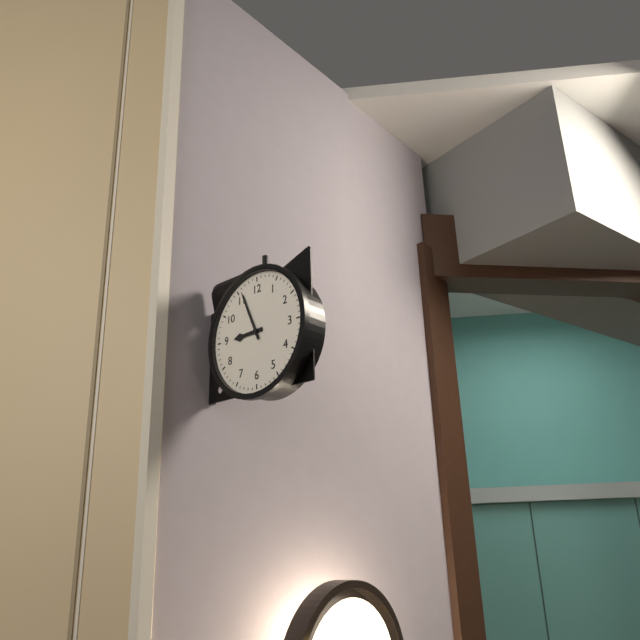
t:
8,56
